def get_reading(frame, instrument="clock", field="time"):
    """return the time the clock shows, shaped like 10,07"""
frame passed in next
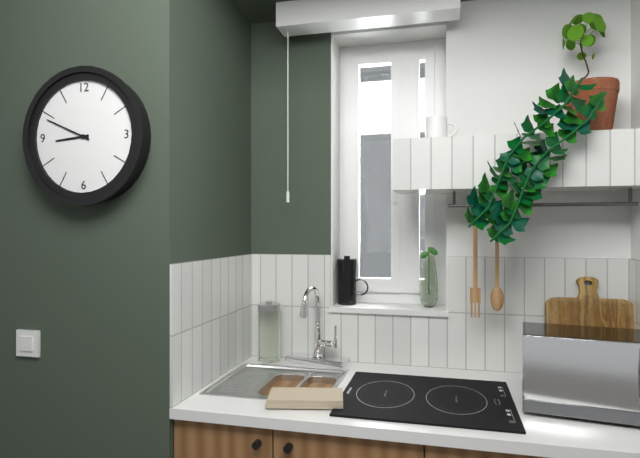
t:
8,49
